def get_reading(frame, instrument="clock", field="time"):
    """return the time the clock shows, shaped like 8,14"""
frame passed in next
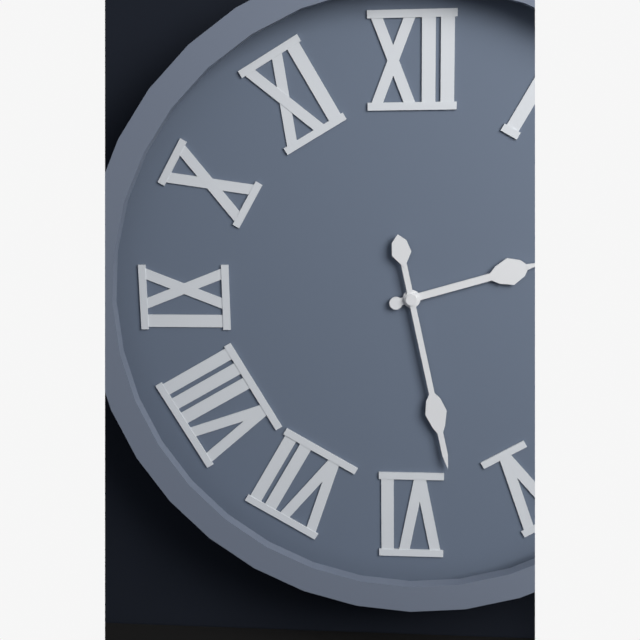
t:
2,28
